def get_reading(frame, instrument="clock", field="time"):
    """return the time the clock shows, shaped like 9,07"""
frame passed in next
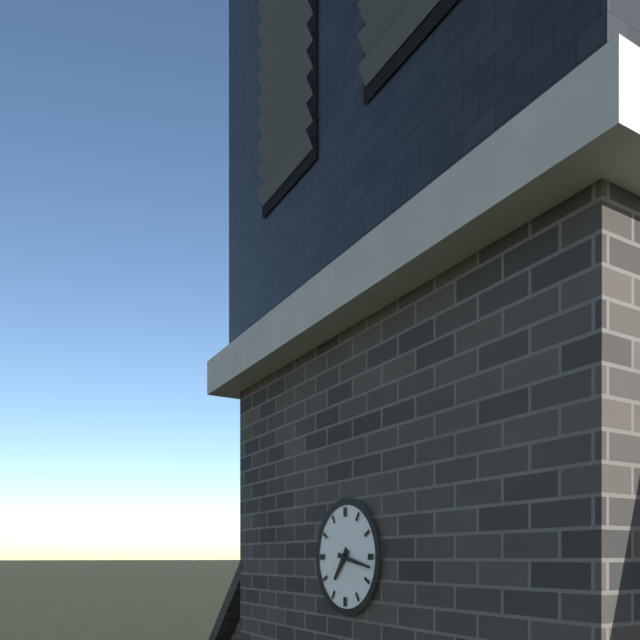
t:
7,17
